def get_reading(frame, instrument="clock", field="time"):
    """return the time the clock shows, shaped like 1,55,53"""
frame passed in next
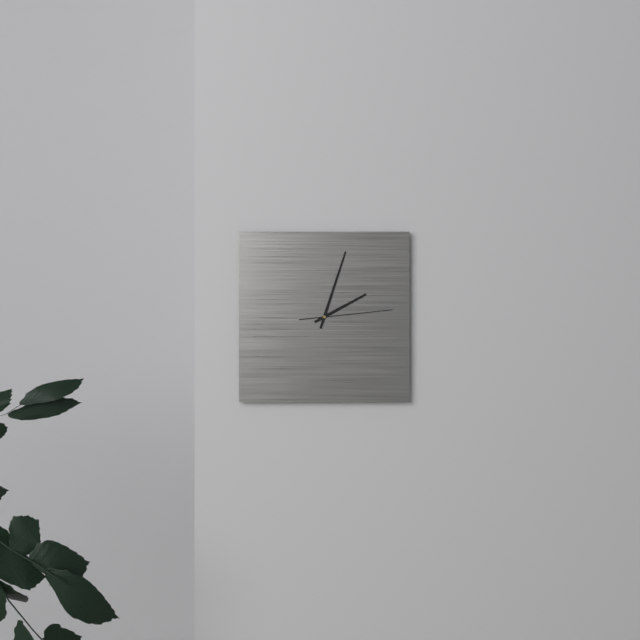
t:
2,03,14
